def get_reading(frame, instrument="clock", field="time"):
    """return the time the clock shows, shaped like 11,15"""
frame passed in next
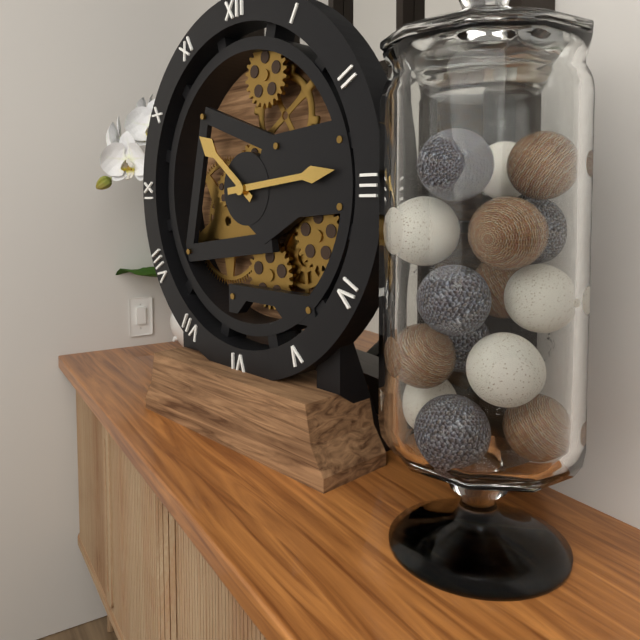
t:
10,14
